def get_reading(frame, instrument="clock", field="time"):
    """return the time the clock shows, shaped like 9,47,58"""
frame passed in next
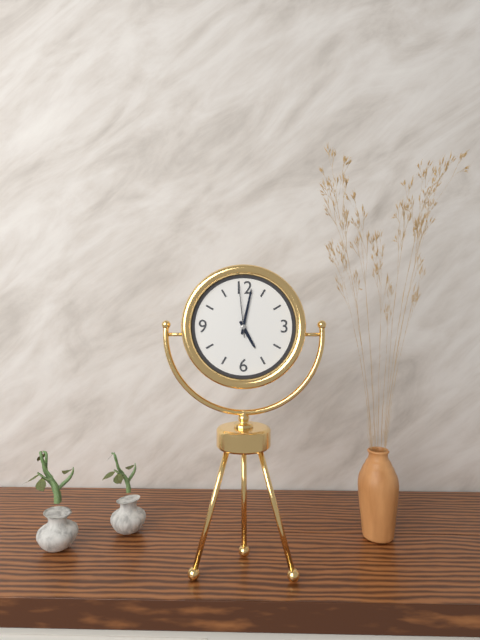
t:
5,02,59
